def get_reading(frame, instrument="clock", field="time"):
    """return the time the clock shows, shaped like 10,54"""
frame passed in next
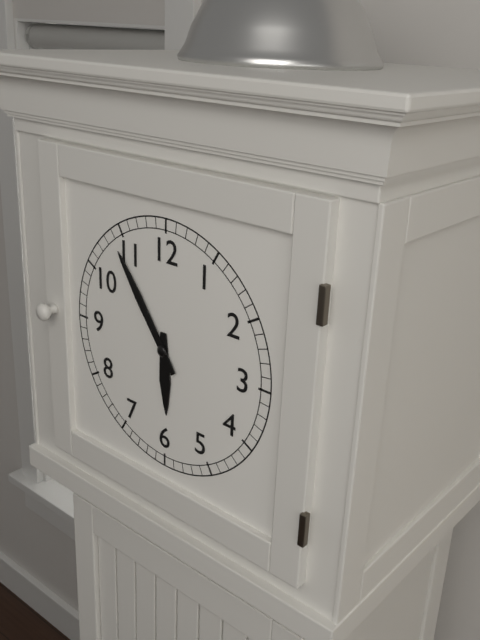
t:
5,54
